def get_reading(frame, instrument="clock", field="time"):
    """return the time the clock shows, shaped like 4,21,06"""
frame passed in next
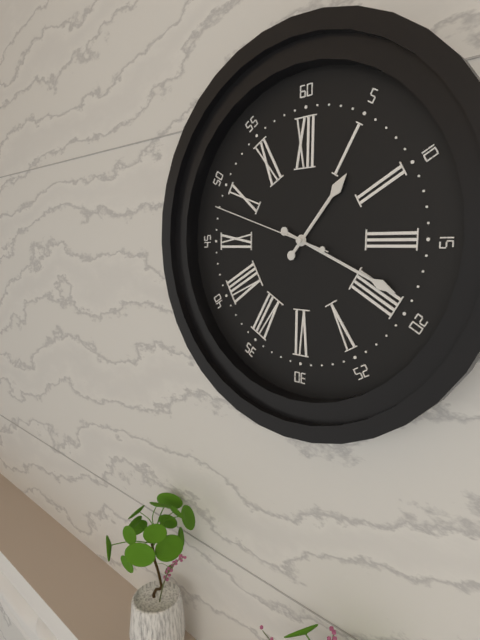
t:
1,19,48
